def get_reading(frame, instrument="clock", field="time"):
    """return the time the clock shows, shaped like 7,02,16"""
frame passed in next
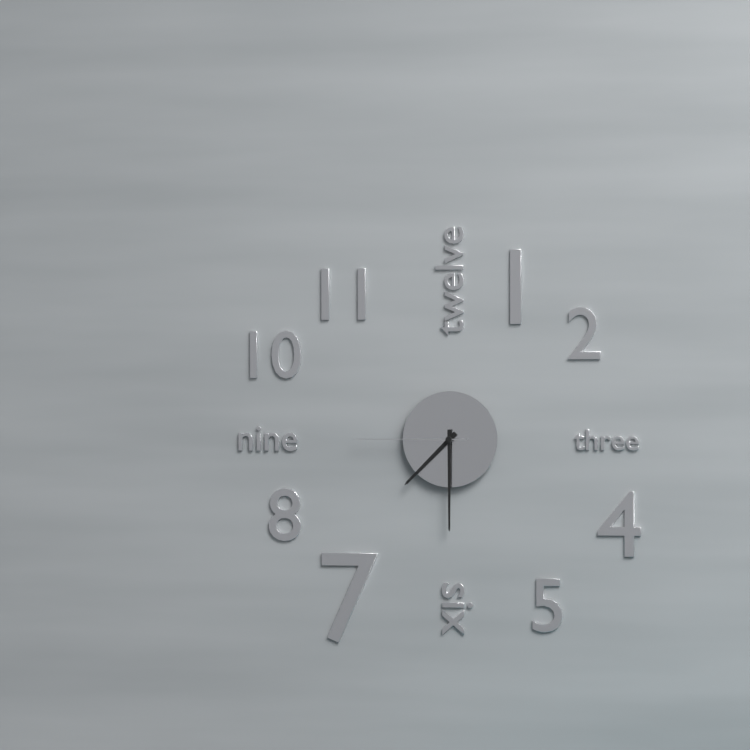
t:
7,30,45
